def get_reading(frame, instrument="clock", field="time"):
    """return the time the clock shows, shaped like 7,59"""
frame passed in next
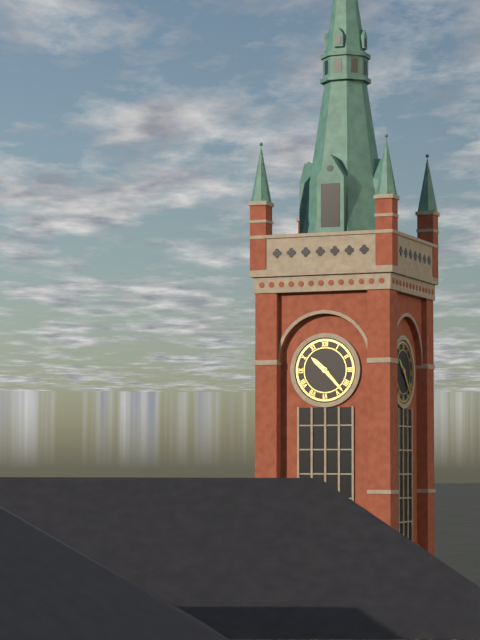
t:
10,23
